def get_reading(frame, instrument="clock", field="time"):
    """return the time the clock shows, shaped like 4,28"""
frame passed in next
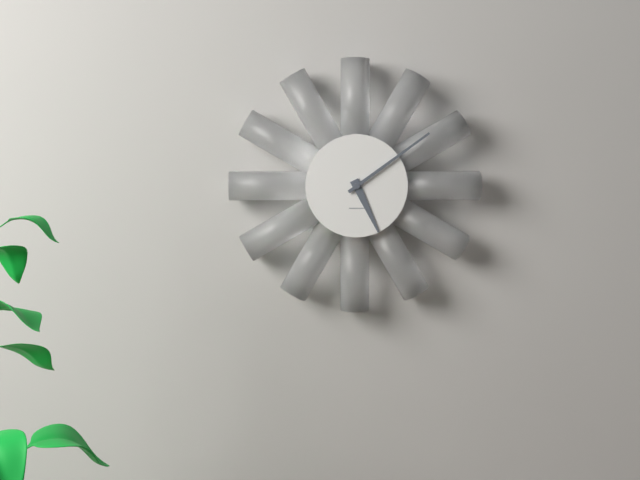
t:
5,09
